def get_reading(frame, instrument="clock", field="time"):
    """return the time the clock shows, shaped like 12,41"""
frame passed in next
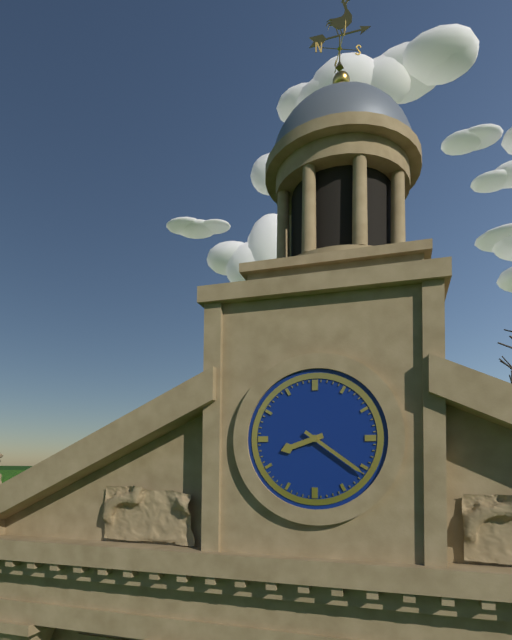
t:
8,21
